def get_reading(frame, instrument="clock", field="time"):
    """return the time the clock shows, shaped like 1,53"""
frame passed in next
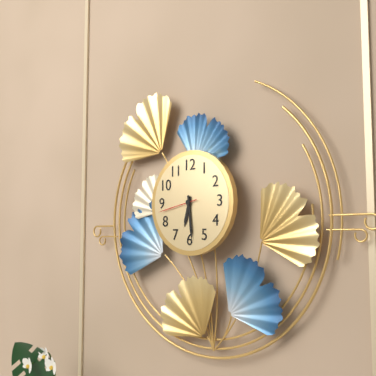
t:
6,29
